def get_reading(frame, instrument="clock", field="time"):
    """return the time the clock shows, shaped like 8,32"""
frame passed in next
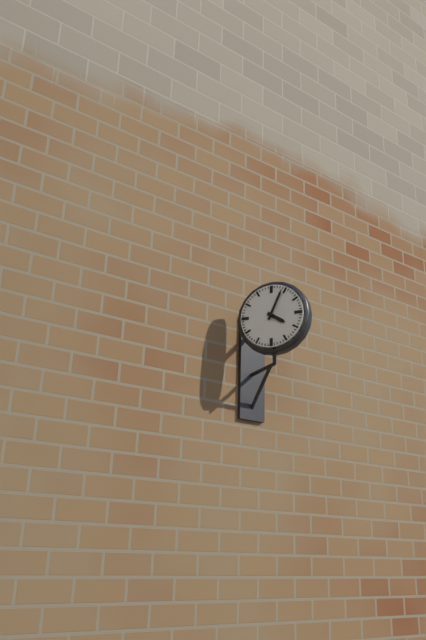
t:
4,04
